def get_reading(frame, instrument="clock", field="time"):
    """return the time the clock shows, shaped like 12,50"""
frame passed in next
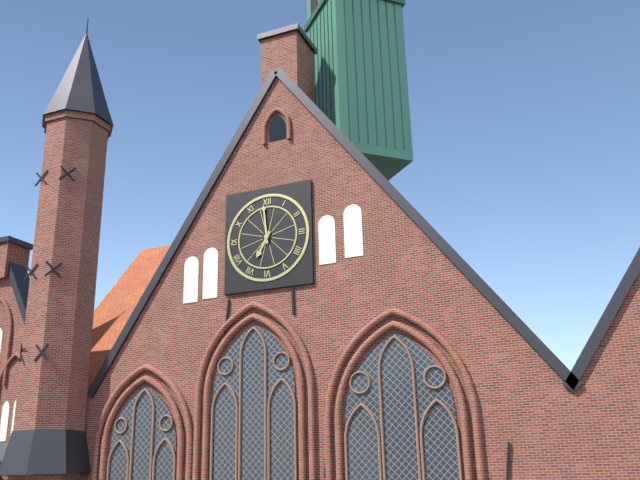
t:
6,59
